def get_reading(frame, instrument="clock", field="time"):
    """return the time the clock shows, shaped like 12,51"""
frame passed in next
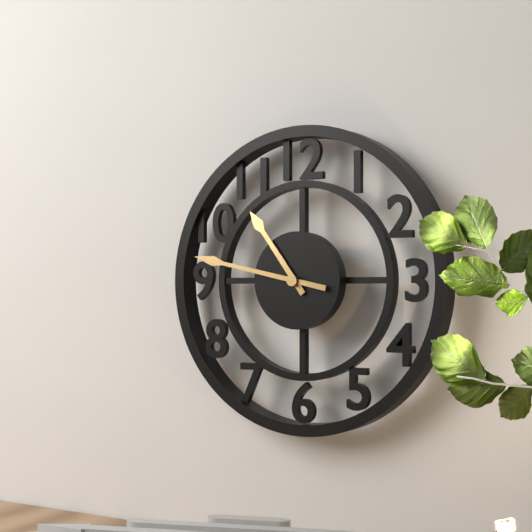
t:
10,47
